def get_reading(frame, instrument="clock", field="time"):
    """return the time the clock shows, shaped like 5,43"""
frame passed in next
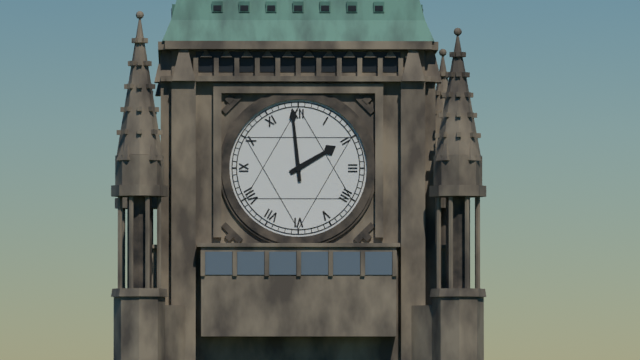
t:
1,59
